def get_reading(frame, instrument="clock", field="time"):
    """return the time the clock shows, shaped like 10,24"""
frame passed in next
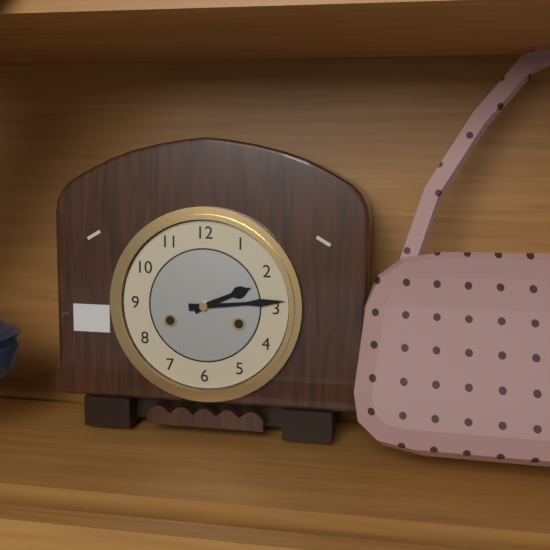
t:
2,14
